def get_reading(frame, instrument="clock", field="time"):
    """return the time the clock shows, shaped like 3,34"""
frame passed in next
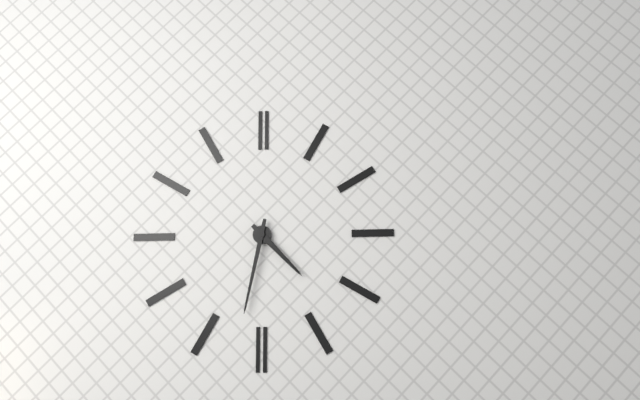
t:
4,32
